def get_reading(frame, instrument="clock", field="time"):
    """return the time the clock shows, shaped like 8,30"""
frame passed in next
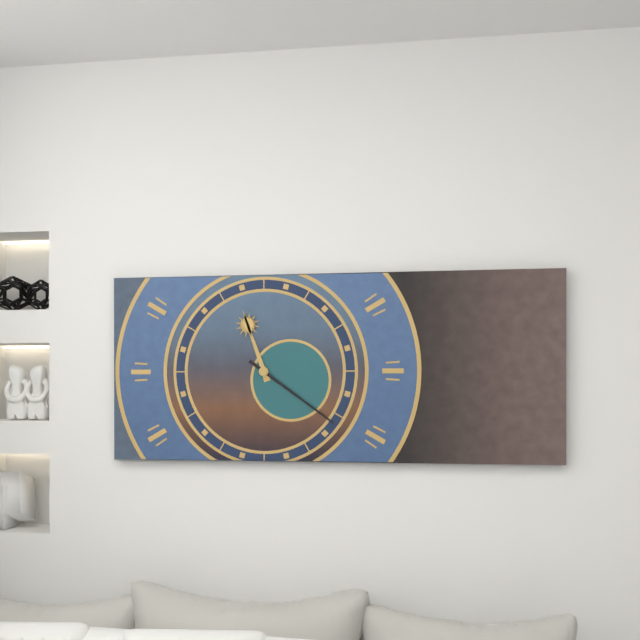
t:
11,21
